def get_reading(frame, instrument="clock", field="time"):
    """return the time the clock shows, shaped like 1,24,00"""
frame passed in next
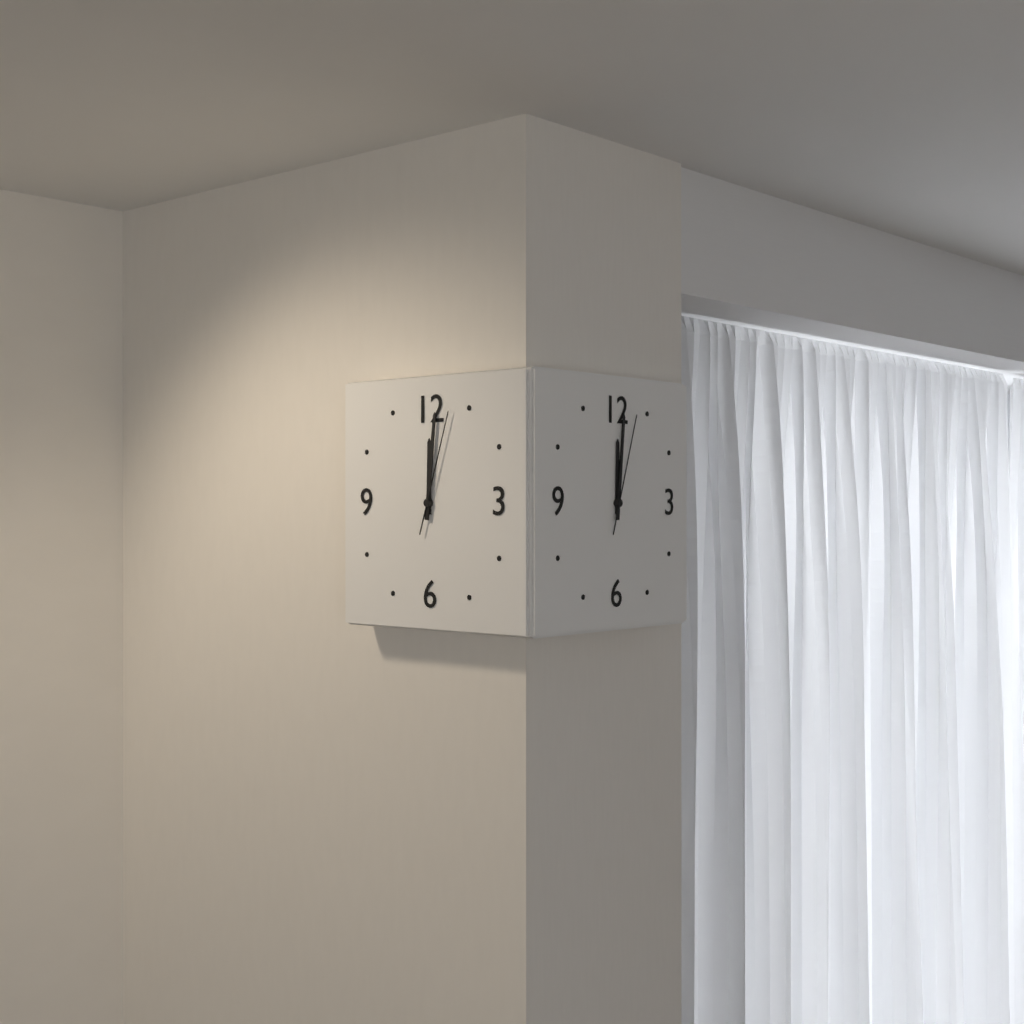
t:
12,01,03
